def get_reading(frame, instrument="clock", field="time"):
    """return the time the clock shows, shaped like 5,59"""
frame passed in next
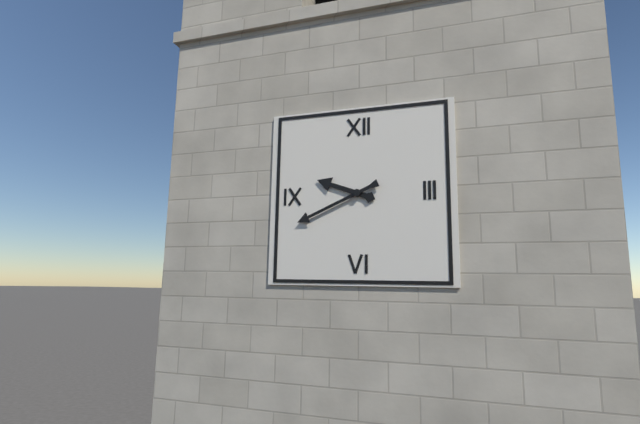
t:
9,41
